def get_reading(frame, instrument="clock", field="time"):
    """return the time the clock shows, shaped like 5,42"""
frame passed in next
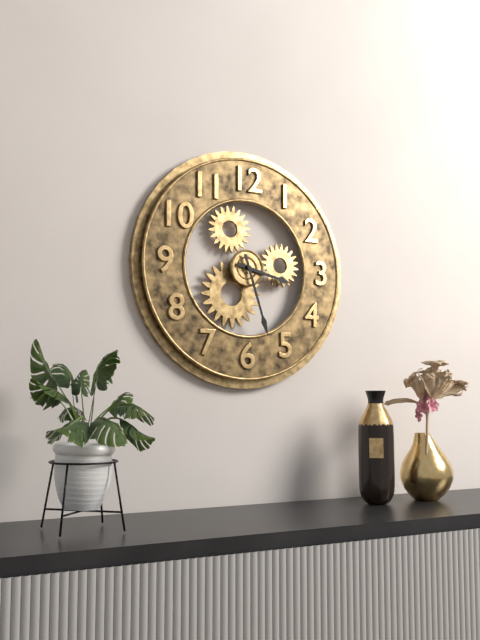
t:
3,27
